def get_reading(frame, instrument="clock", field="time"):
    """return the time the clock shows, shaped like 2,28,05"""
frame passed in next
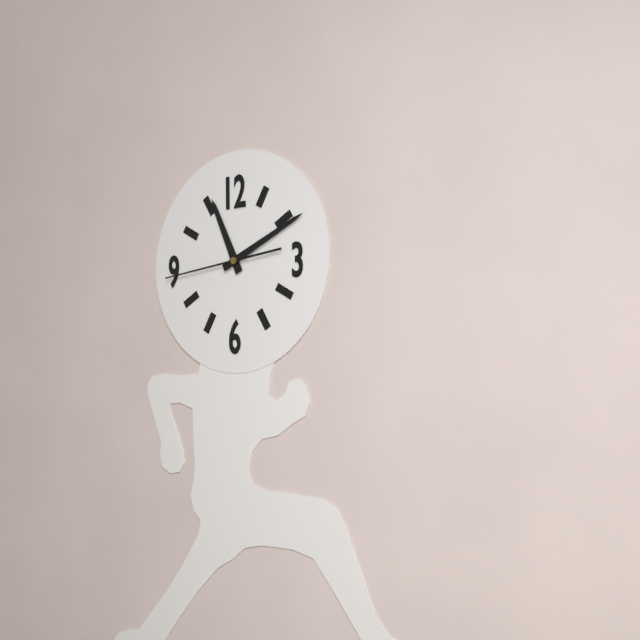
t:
11,11,44
